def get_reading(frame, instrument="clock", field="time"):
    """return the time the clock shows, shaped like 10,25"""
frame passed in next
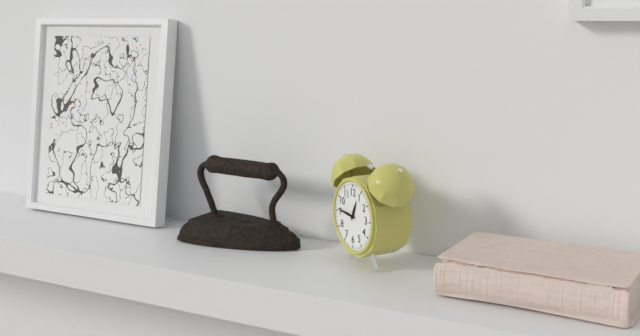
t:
12,46
